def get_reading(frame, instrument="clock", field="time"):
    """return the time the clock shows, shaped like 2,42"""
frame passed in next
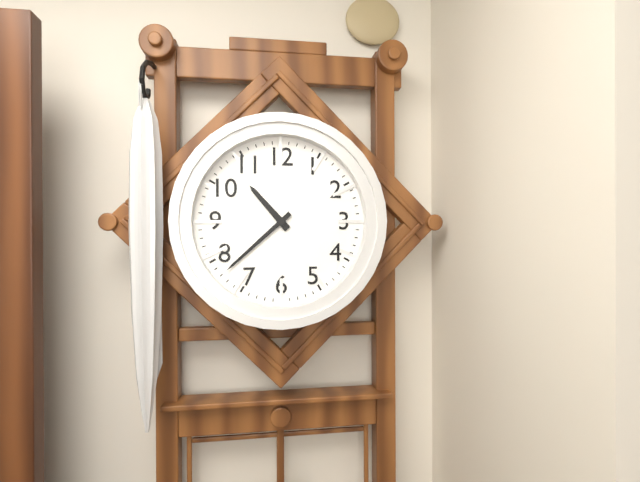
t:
10,38
